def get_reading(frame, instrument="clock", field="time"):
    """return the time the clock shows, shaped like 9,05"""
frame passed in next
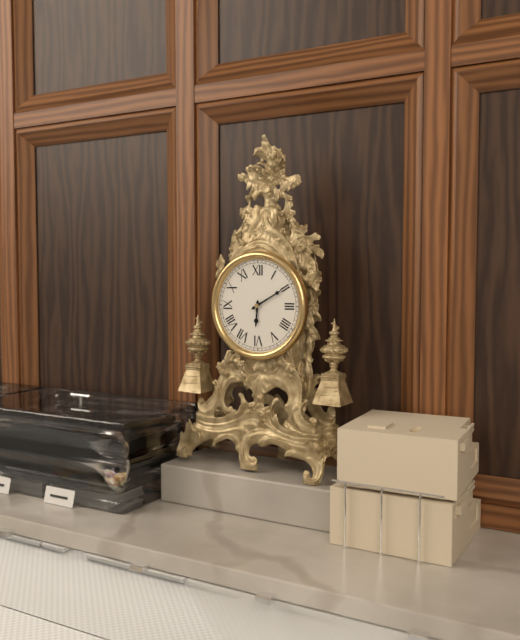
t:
6,10
